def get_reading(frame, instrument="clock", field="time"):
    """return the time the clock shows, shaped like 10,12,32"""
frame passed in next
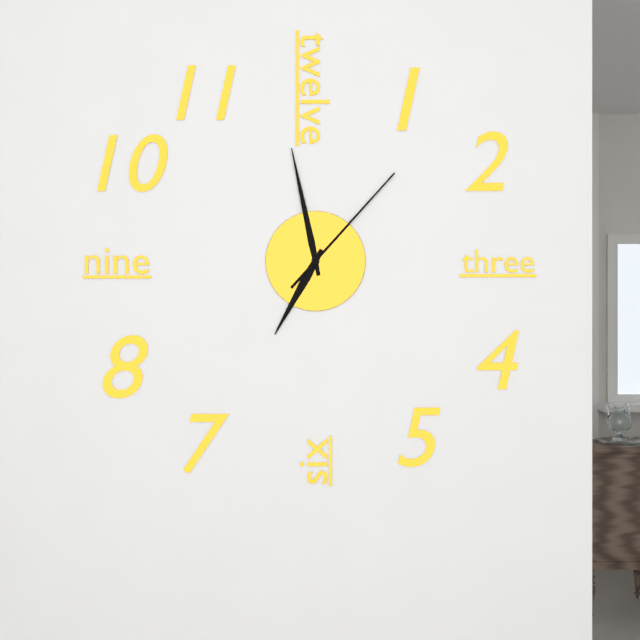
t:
6,58,07
